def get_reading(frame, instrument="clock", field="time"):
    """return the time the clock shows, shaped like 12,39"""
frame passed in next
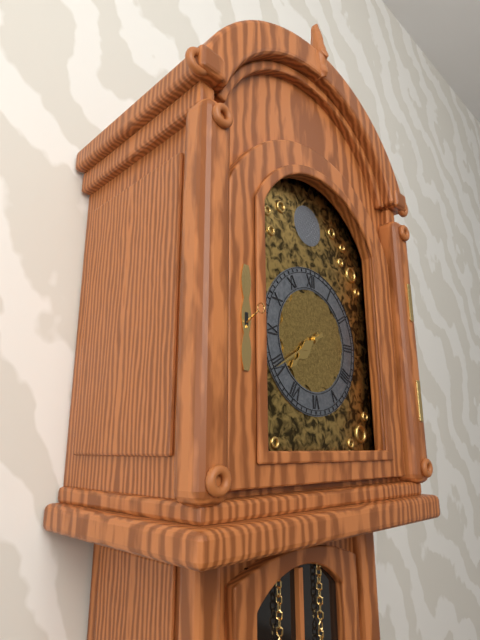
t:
7,40
